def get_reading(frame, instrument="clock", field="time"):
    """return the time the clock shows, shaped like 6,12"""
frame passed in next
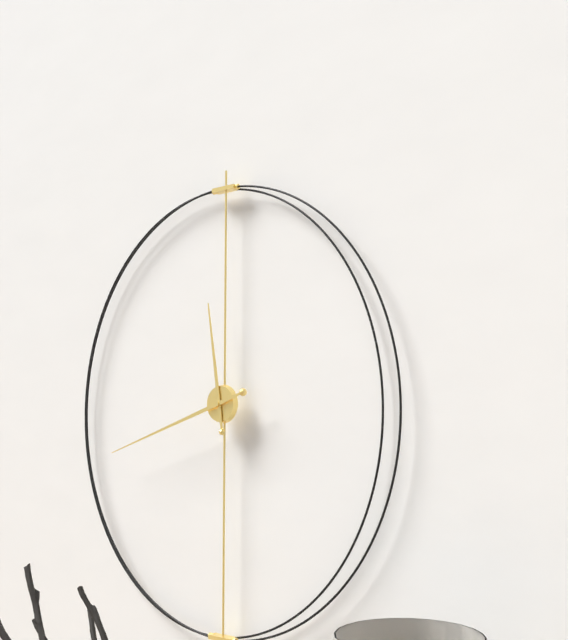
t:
11,42
